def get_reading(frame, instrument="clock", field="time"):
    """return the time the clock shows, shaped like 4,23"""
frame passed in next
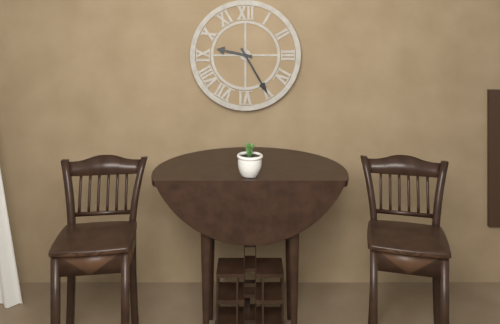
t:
9,25
